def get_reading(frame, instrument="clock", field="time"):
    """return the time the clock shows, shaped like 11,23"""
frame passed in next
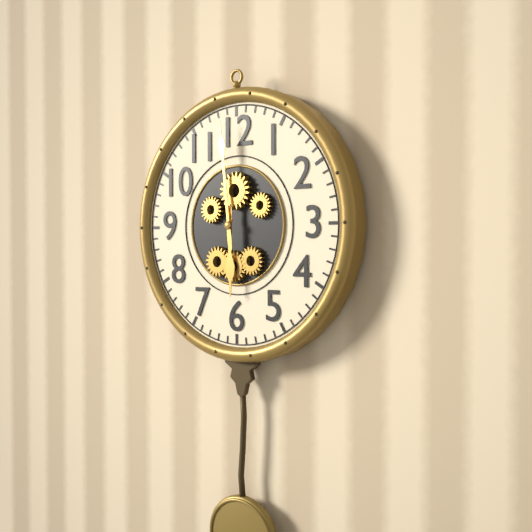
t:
5,59
